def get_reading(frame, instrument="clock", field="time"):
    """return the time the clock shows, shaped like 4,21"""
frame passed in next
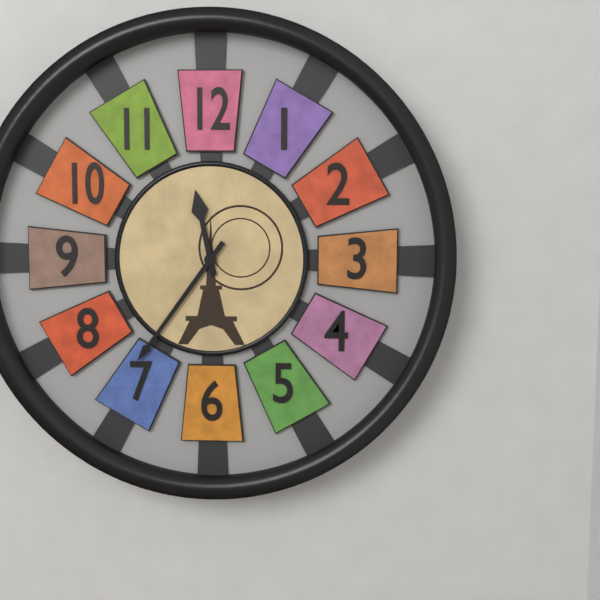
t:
11,36
